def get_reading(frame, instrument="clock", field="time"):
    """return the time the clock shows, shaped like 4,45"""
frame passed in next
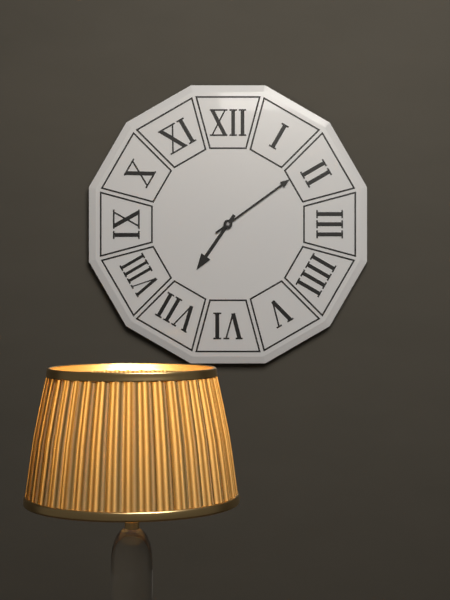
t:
7,09
